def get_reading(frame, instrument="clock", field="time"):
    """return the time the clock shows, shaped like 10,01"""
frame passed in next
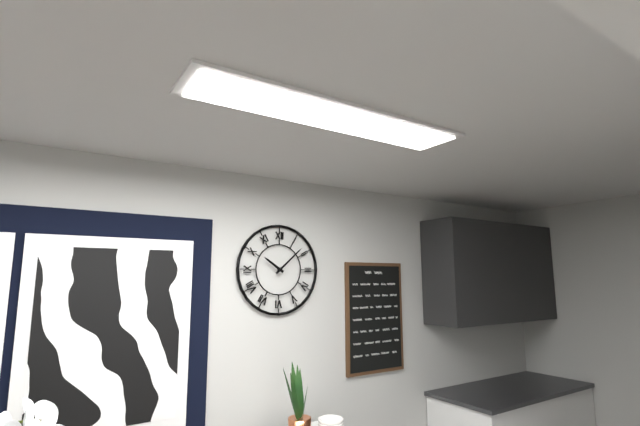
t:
10,08
